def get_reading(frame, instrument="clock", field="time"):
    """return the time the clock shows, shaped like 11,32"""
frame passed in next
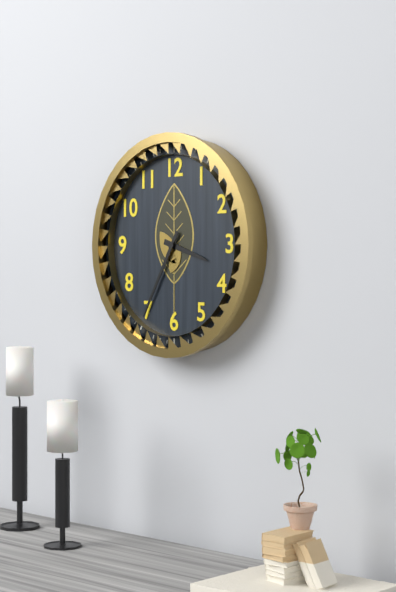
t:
3,35
